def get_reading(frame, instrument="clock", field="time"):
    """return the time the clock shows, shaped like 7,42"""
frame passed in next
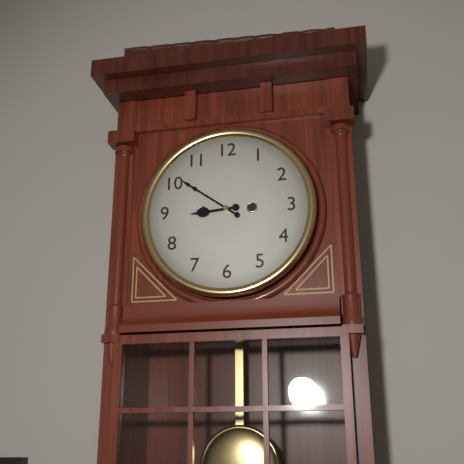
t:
8,51
